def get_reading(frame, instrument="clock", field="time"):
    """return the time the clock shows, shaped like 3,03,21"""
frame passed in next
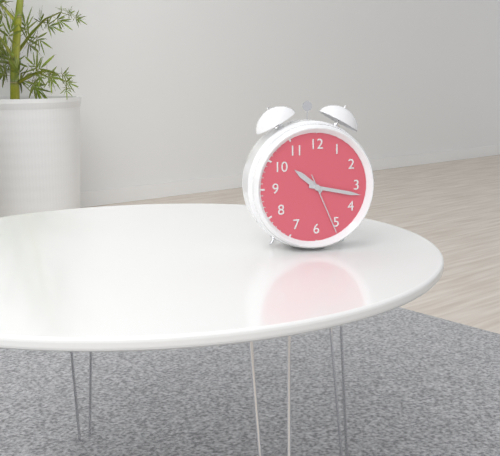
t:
10,17,26
